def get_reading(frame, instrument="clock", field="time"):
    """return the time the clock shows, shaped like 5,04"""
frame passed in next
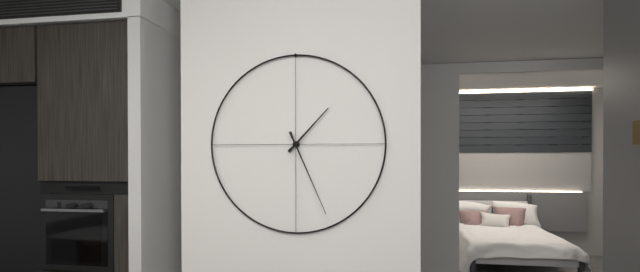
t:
1,26
